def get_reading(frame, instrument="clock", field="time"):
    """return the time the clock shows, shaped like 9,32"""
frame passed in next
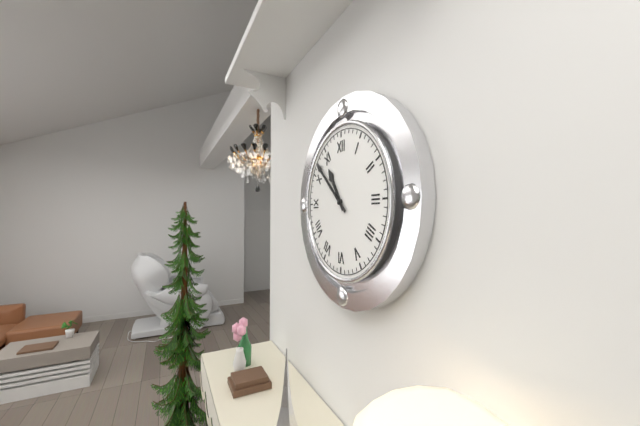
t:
10,52
